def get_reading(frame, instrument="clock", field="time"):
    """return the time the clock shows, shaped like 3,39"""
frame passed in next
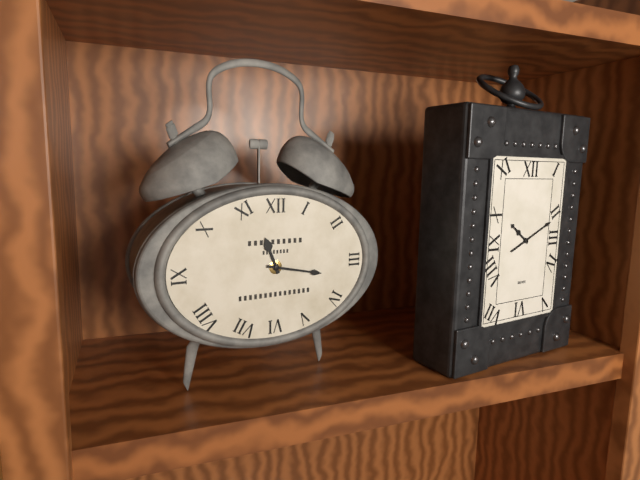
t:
11,17
